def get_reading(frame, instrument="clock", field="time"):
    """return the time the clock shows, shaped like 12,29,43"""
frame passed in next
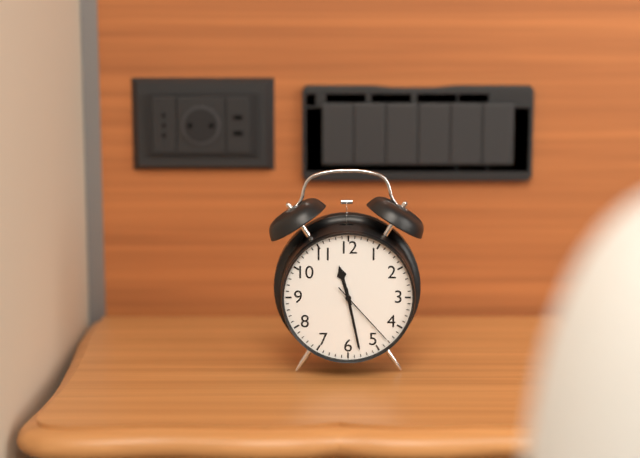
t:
11,28,23
